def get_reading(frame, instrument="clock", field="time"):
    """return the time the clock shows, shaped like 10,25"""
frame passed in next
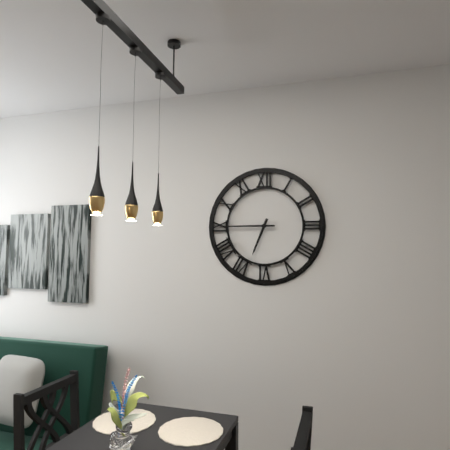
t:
6,45
